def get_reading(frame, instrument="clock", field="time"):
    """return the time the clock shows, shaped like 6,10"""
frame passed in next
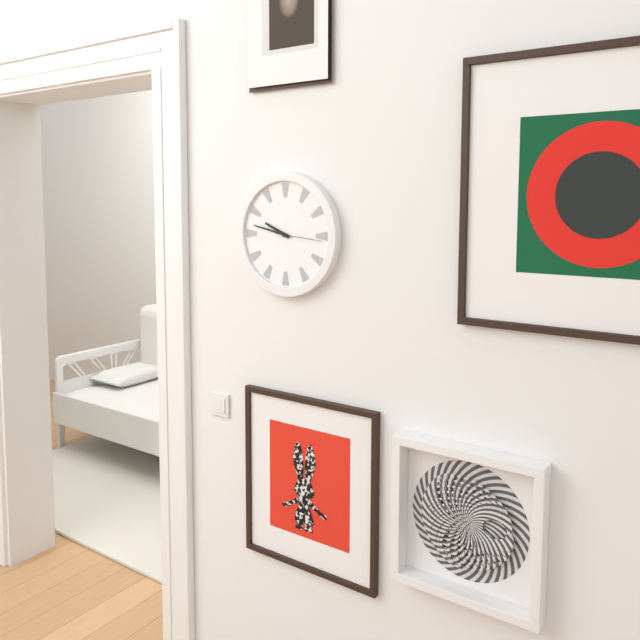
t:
9,47
